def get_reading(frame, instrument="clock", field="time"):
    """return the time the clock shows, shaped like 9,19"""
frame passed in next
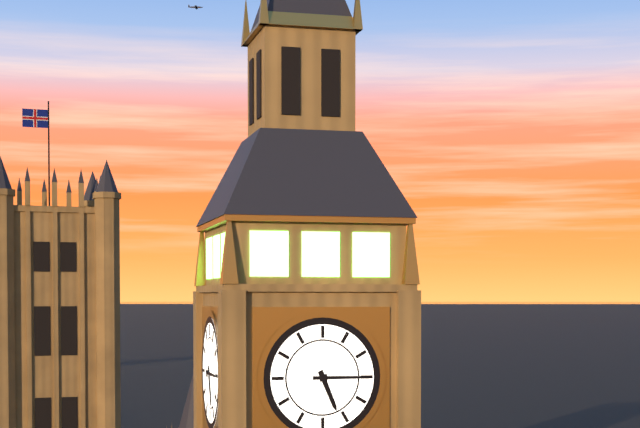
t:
5,15
